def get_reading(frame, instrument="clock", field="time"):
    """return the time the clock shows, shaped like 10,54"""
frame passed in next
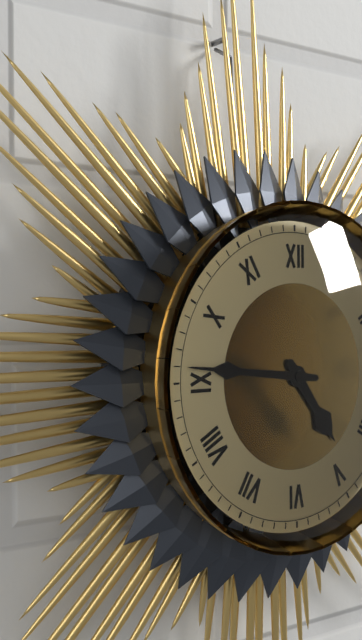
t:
4,46
